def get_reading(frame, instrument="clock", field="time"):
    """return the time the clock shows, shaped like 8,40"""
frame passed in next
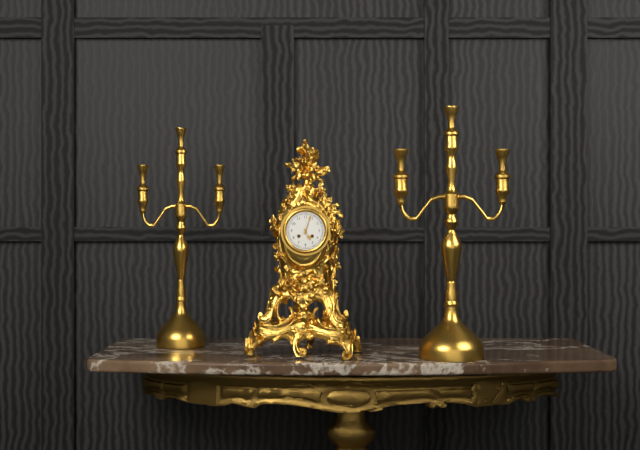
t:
5,03
